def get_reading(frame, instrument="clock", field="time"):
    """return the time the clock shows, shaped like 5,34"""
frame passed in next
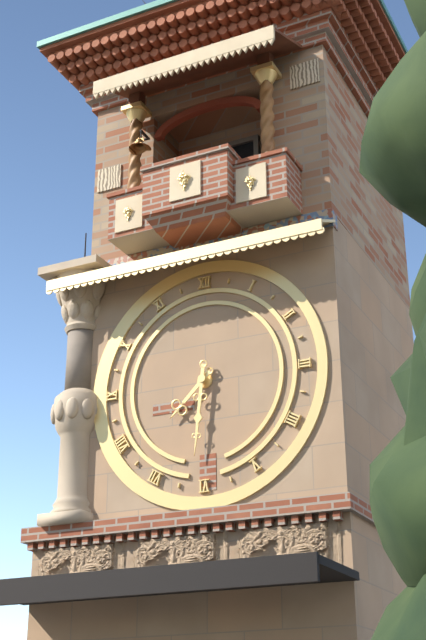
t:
7,31
